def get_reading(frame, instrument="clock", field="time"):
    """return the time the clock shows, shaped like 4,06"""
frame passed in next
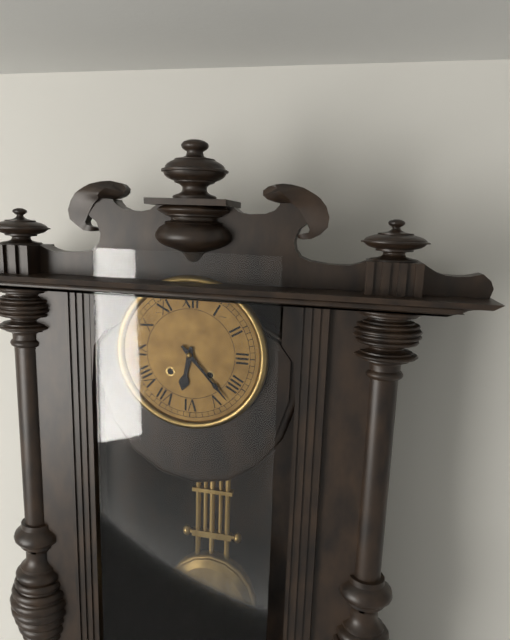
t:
6,23
